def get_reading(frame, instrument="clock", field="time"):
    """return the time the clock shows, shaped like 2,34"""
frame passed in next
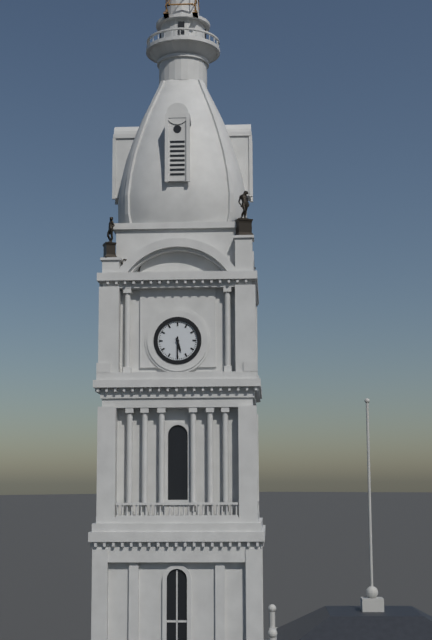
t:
5,30
